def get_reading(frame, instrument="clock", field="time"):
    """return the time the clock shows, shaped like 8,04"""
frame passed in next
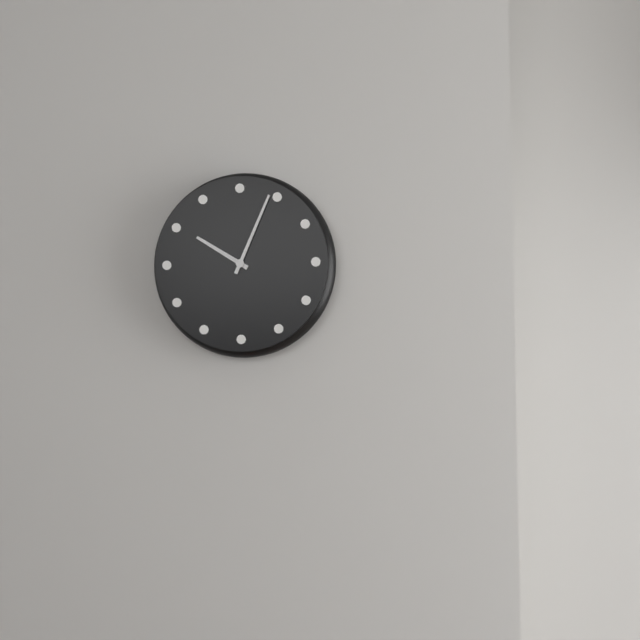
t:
10,04
